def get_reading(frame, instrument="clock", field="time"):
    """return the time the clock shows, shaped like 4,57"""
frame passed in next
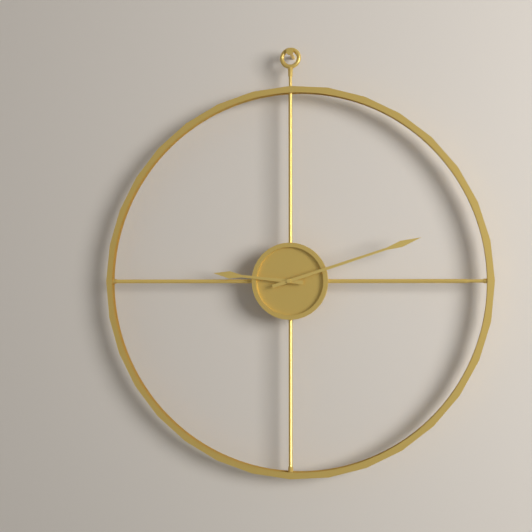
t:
9,12
